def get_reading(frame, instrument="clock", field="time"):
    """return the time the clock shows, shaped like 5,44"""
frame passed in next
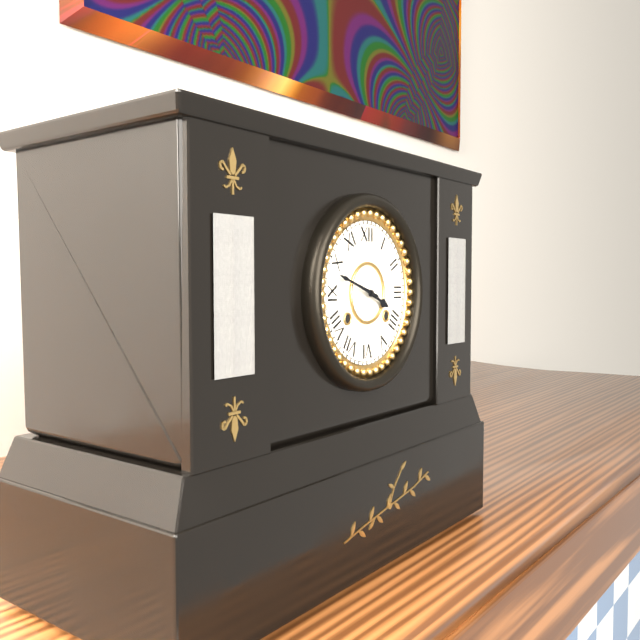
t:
3,48
